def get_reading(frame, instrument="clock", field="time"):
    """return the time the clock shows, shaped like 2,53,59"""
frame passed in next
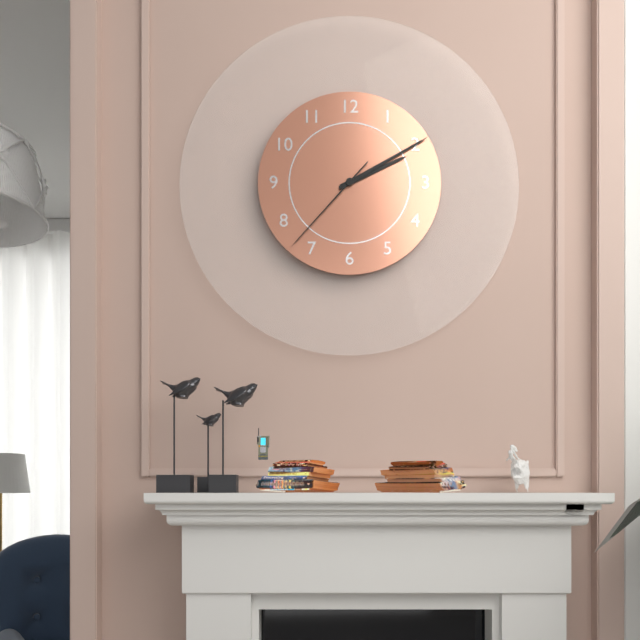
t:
2,10,37
